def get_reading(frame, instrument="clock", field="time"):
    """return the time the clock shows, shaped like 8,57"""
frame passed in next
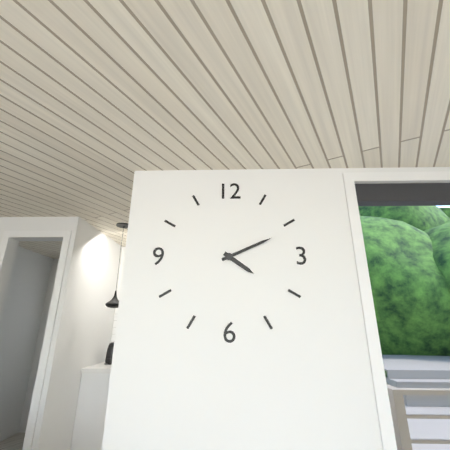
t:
4,11
